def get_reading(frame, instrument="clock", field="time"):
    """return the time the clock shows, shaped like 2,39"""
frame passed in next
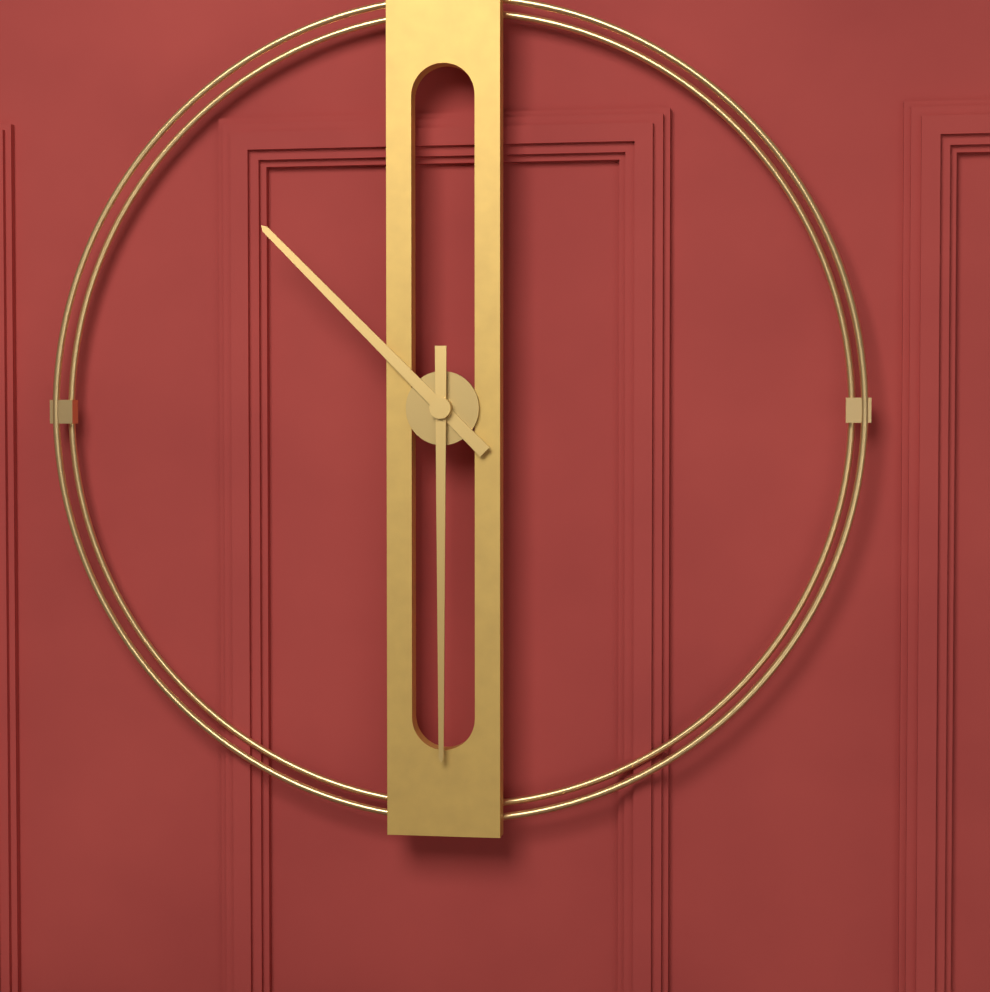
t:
10,30
